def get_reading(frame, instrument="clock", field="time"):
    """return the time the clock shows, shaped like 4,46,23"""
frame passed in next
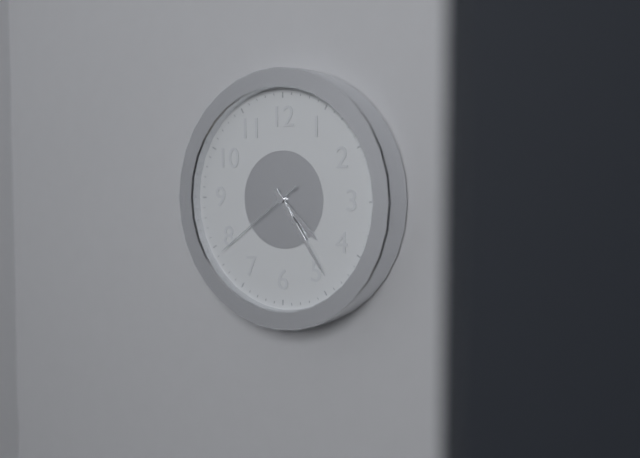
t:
4,24,39
